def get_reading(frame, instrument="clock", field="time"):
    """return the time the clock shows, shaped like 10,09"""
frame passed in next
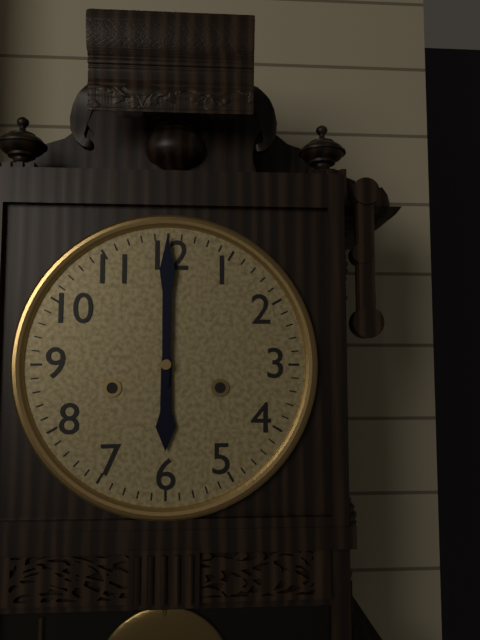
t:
6,00
